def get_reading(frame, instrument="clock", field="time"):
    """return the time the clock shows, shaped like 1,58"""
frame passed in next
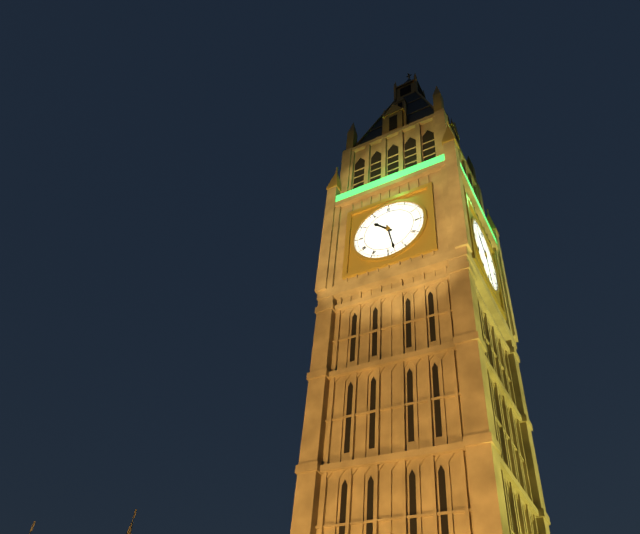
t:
10,28
